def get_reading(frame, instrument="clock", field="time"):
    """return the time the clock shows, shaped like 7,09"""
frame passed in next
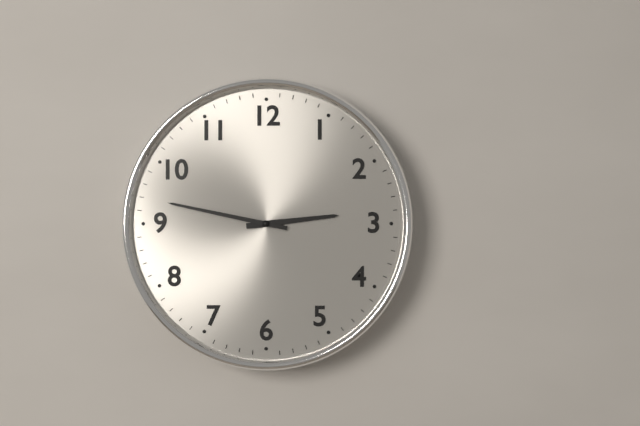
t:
2,47
